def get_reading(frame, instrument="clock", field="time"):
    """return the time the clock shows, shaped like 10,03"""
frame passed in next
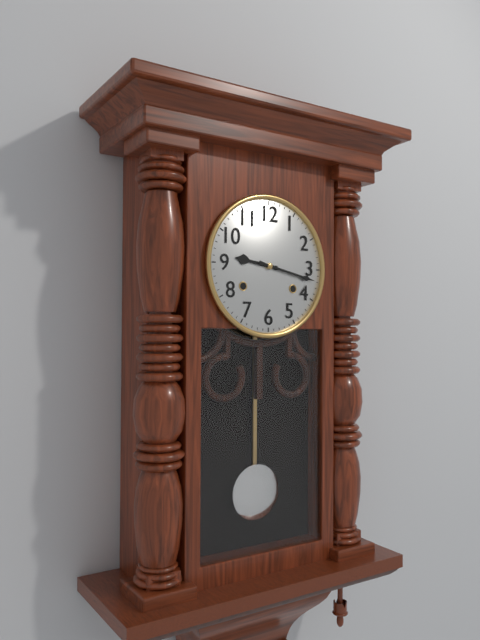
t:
9,17
